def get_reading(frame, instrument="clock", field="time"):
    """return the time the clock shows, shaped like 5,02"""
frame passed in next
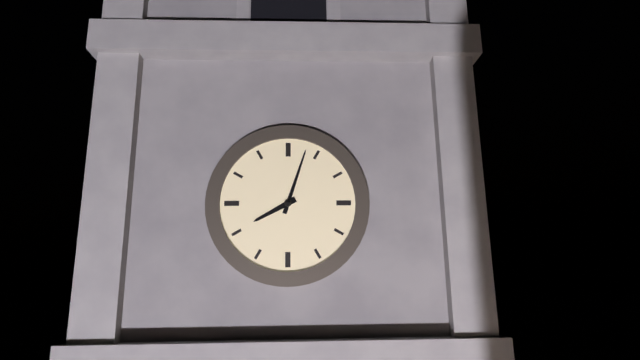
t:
8,03
